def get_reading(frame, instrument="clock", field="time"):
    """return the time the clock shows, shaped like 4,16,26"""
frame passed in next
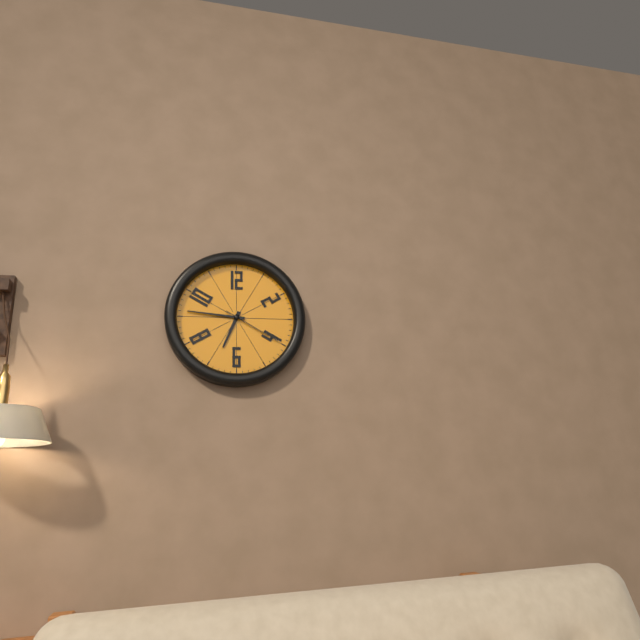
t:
6,46,20
